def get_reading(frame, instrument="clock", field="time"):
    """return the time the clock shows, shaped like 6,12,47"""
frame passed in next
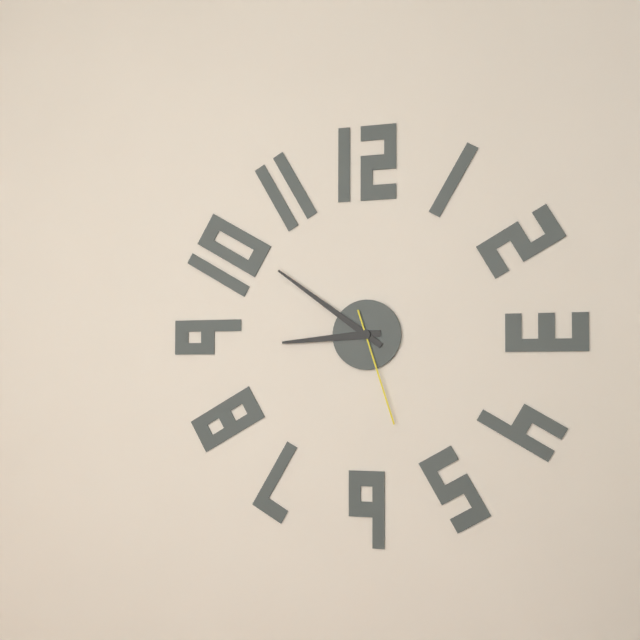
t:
8,51,27
